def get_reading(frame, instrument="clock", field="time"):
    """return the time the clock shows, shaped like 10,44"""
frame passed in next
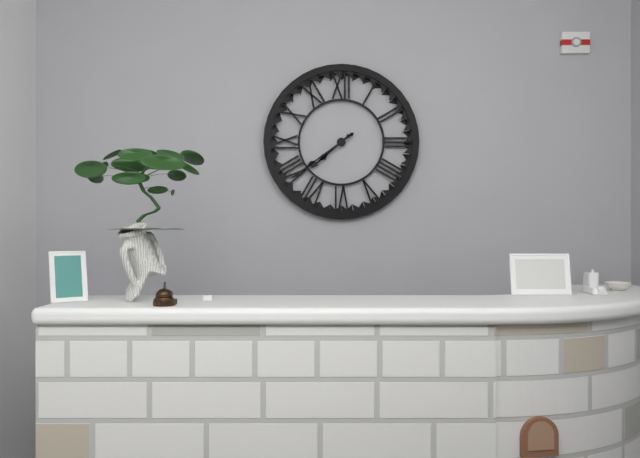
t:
7,39
